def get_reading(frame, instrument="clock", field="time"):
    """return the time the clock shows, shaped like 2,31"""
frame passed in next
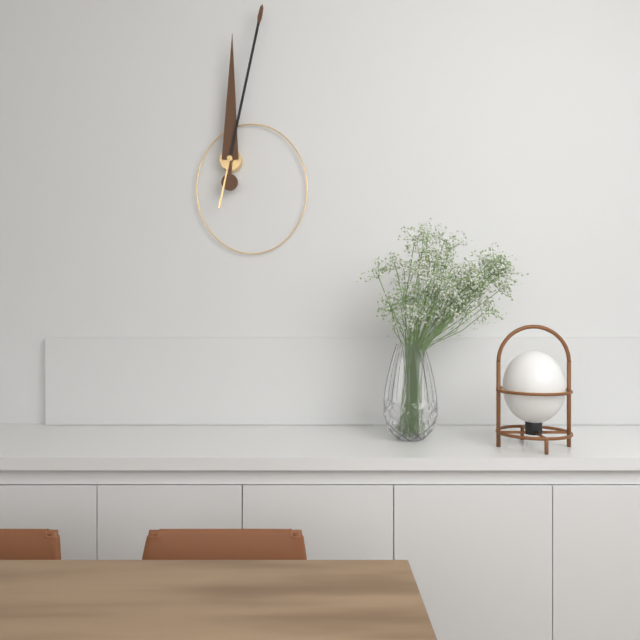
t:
12,02
